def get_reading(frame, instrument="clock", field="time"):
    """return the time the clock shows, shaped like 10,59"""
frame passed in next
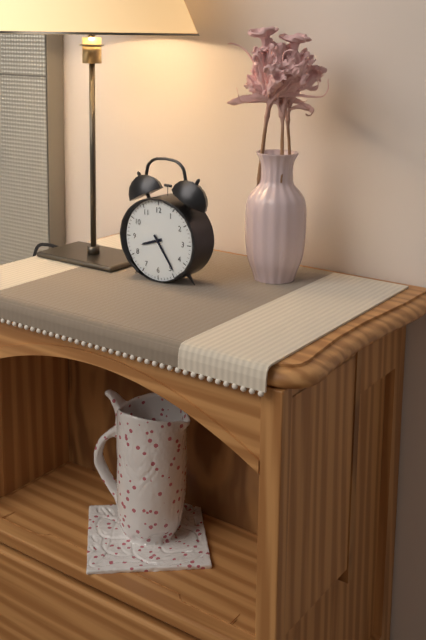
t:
8,24
